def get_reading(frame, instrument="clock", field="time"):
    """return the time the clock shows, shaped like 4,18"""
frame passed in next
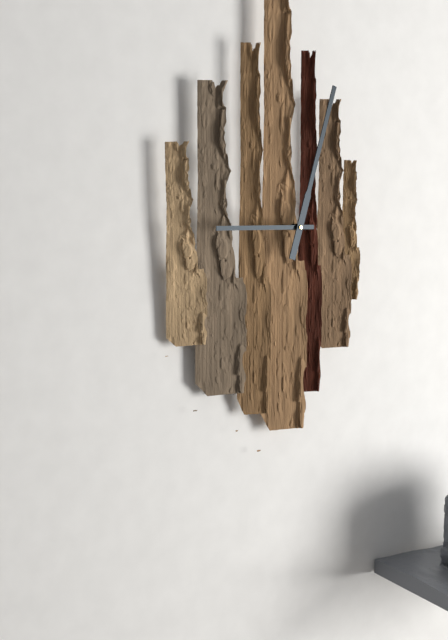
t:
9,03
